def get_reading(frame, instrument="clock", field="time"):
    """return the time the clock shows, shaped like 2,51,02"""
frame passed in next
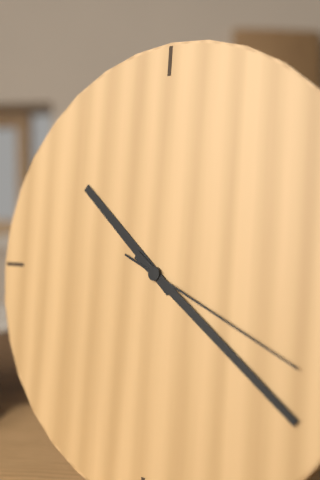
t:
10,21,19
